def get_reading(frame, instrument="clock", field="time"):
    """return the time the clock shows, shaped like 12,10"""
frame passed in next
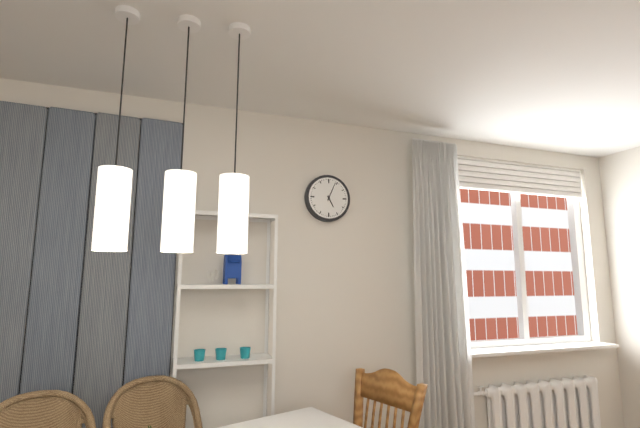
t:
5,04
